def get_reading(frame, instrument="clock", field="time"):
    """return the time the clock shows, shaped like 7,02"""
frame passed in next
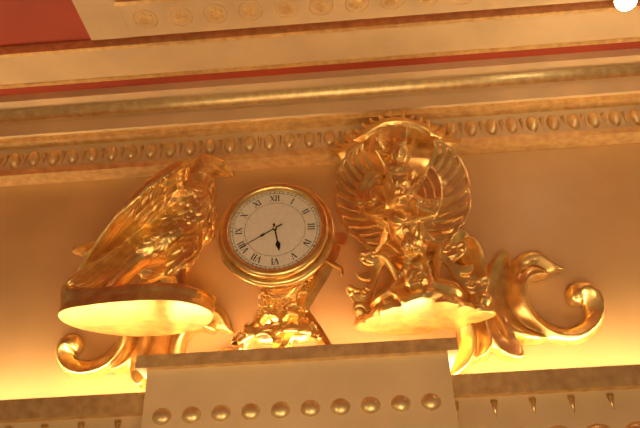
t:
5,40
